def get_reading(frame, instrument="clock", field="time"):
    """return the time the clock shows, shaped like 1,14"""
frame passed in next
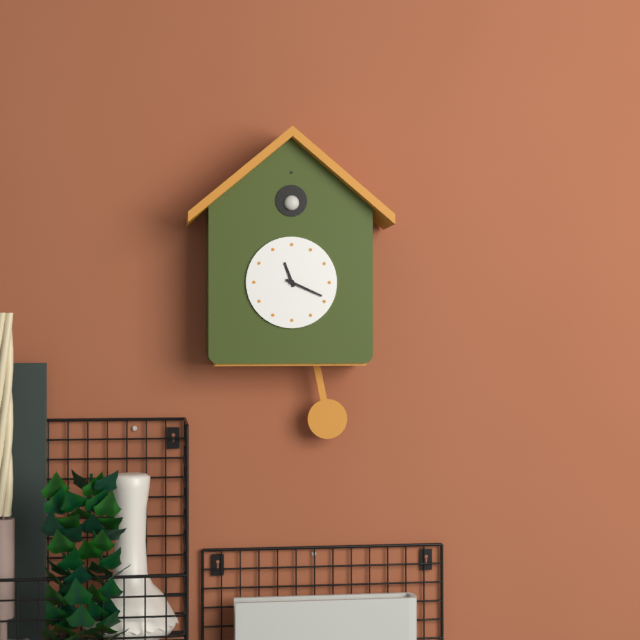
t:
11,19
